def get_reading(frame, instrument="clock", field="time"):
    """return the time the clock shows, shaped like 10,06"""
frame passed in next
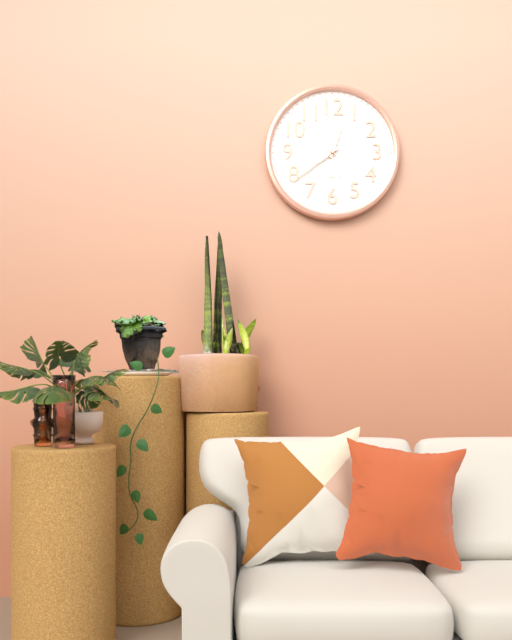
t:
12,39
